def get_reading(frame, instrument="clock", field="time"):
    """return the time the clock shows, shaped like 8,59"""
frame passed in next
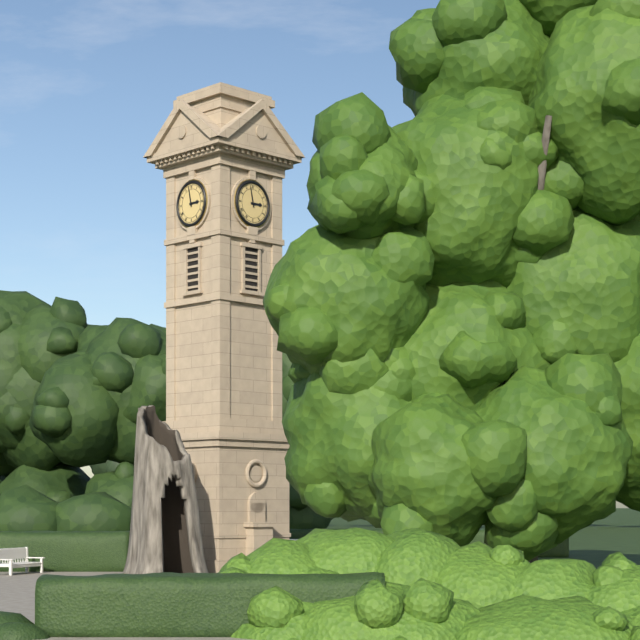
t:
2,58
